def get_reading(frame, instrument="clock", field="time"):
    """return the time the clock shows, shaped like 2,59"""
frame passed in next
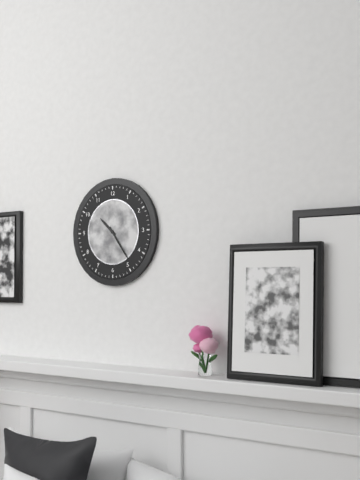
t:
10,24
